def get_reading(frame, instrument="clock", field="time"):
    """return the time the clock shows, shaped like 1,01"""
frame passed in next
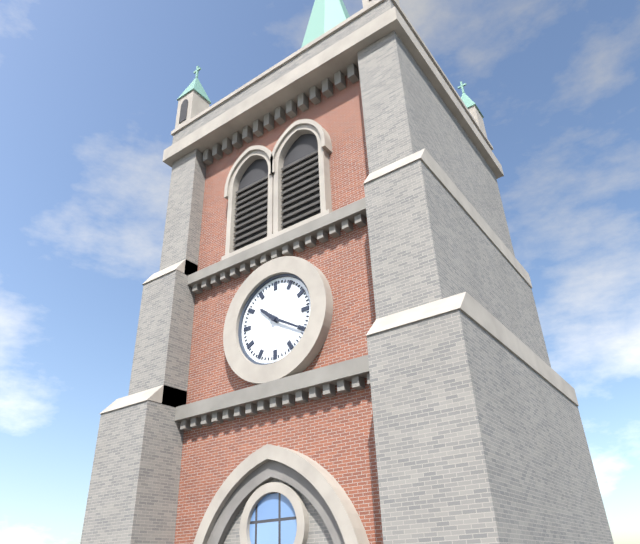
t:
10,20
